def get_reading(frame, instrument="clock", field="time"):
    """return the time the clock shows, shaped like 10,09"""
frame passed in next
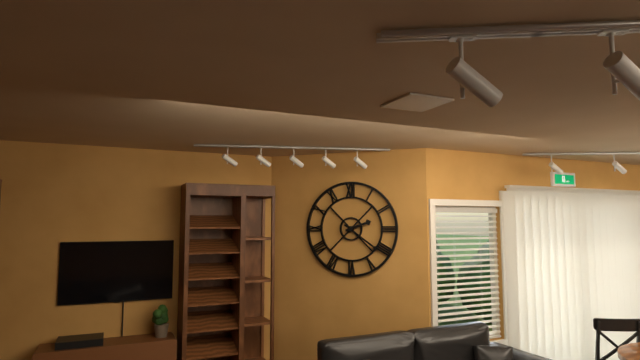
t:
2,21
